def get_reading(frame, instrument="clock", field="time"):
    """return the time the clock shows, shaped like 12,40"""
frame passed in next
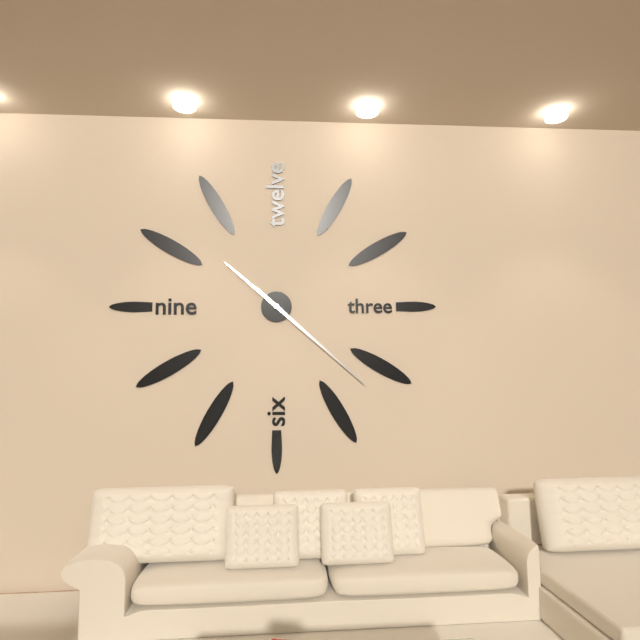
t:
10,22
